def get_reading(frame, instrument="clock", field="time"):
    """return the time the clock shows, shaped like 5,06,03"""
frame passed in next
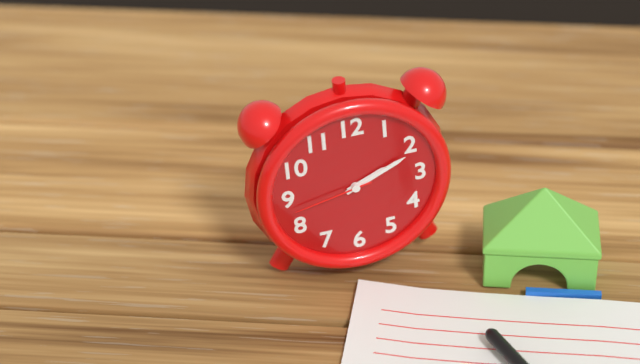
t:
2,11,43
